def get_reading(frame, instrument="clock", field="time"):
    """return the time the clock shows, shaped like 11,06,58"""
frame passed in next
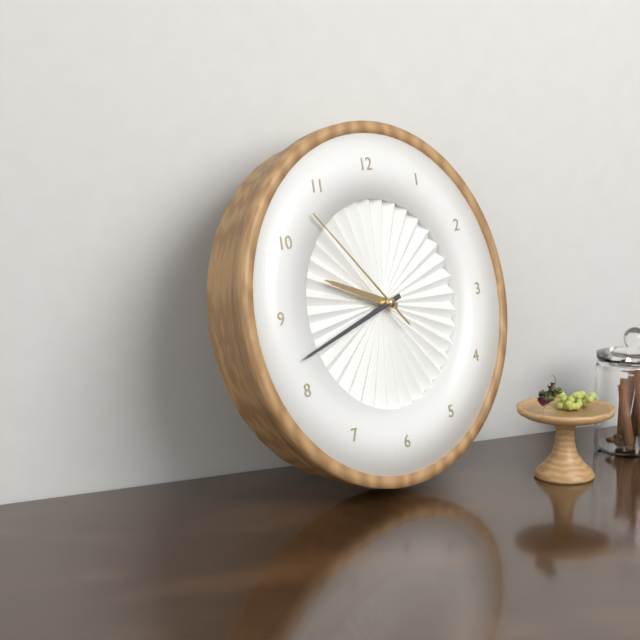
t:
9,42,53
